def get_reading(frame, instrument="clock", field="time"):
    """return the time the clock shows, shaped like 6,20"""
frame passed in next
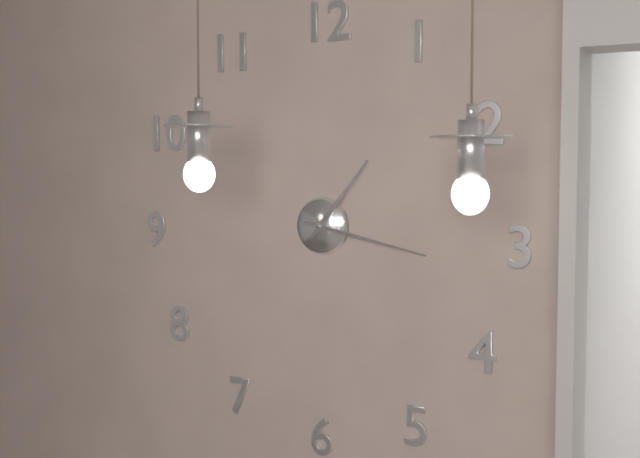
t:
1,17
